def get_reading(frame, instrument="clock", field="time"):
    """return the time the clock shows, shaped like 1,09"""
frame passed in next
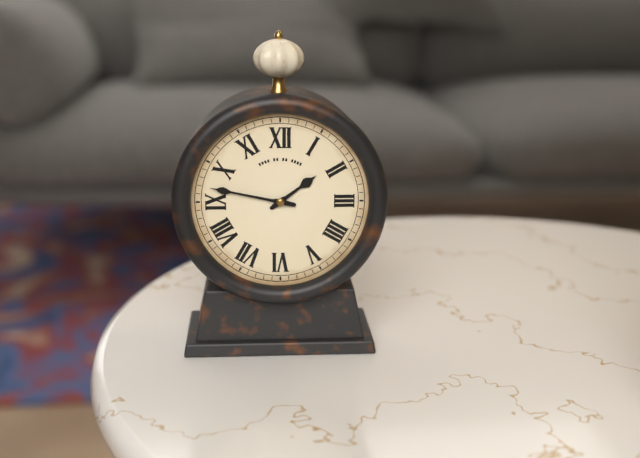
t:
1,47
